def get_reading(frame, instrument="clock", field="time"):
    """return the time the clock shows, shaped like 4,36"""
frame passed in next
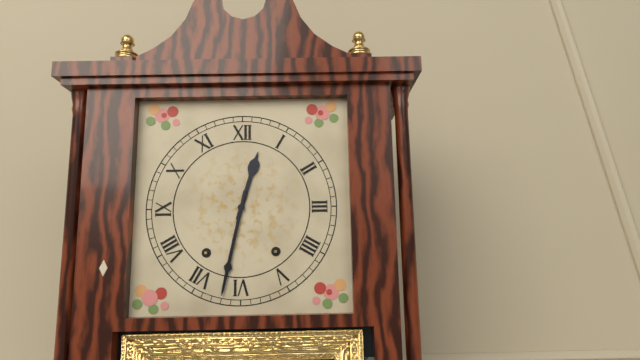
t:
12,32
